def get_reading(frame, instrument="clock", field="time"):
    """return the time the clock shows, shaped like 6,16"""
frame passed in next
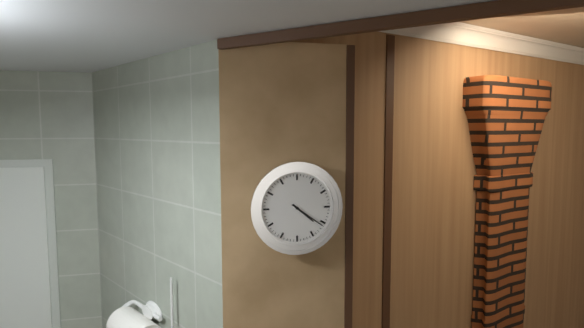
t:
4,21
